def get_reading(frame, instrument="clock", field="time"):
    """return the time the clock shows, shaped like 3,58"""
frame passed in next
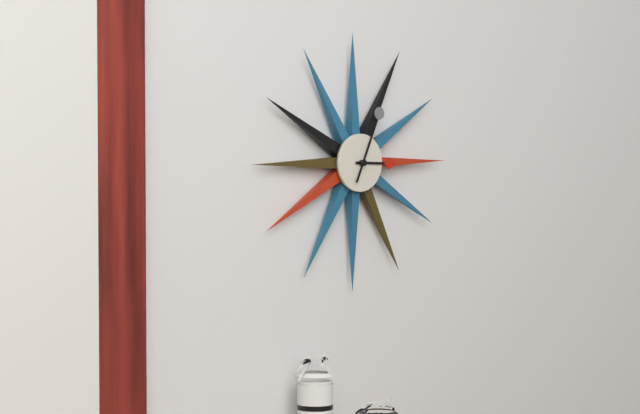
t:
3,04
